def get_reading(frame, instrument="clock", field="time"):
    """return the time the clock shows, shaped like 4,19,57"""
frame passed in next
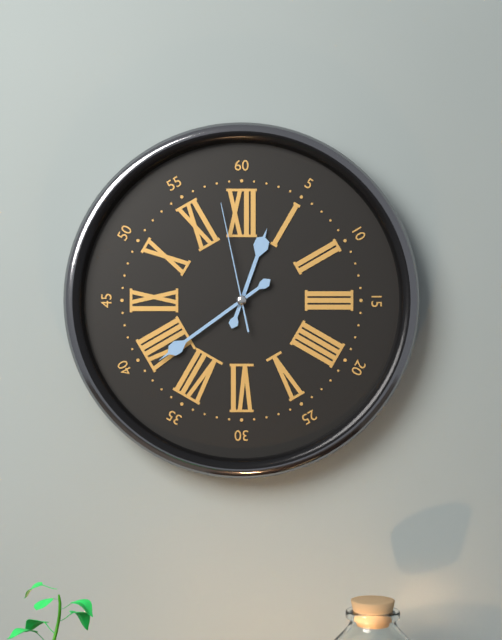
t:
12,39,58
